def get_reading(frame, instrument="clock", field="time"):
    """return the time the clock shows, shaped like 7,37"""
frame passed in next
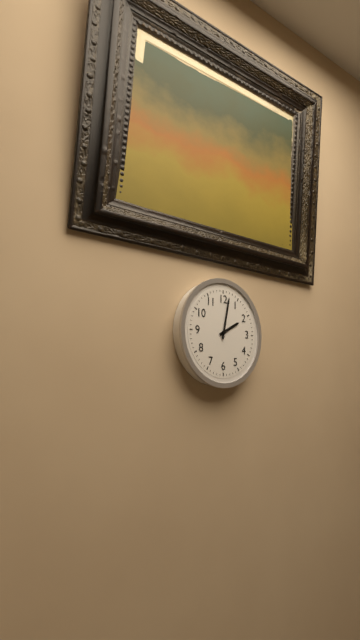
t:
2,02
